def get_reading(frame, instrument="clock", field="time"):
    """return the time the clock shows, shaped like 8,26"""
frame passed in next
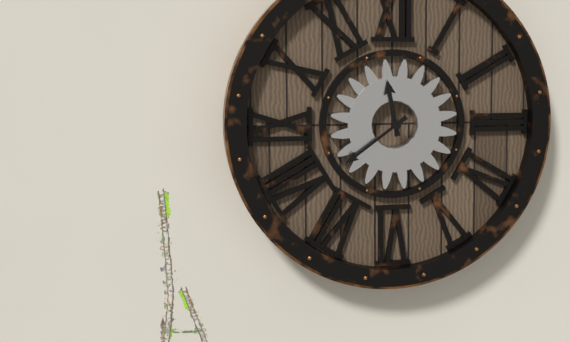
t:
11,39
